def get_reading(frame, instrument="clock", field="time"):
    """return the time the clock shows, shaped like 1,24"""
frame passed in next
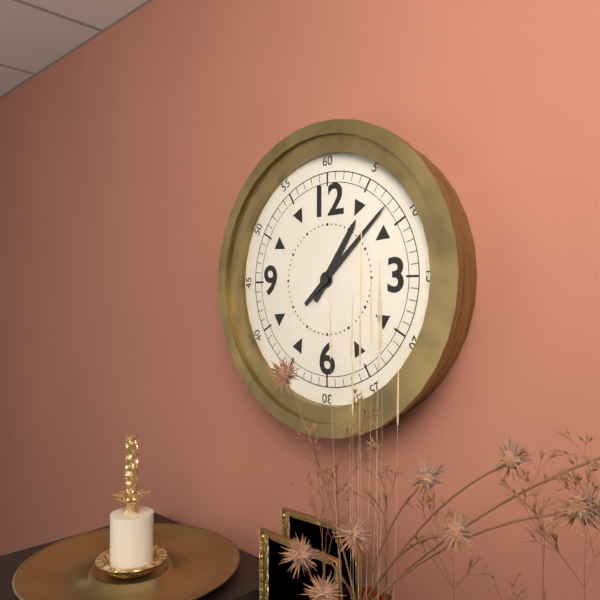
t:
1,08
